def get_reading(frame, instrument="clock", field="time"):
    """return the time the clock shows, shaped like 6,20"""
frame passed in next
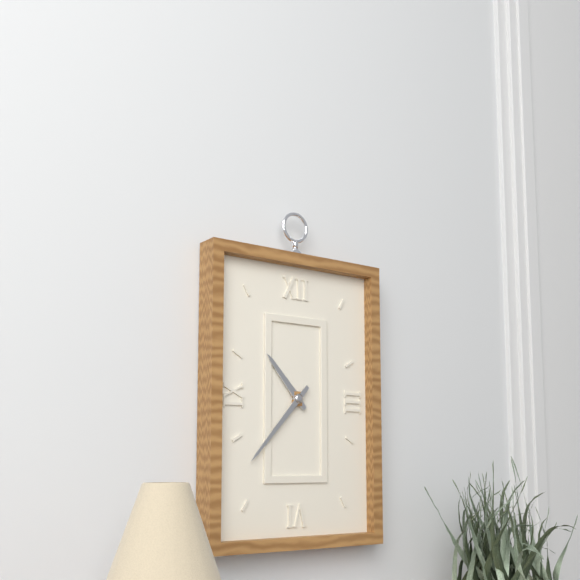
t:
10,37
